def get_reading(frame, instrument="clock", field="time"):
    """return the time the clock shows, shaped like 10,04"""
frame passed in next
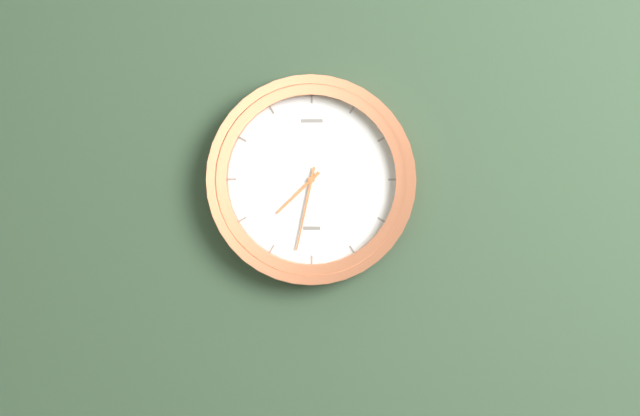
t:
7,32
